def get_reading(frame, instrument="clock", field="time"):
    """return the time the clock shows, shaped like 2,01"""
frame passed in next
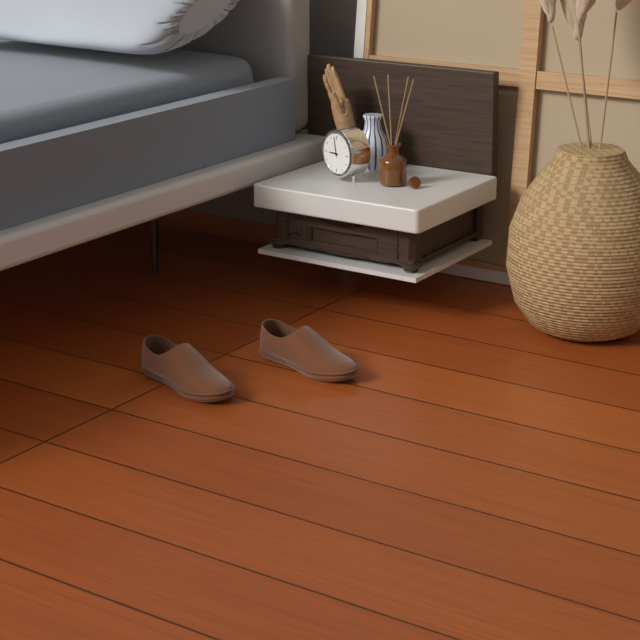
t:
8,58
